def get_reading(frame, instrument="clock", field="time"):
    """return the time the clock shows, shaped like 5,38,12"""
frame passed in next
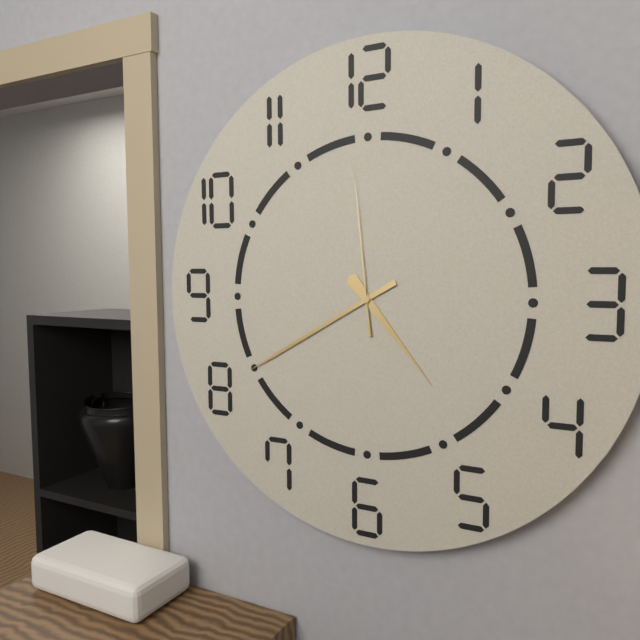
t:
4,40,59
